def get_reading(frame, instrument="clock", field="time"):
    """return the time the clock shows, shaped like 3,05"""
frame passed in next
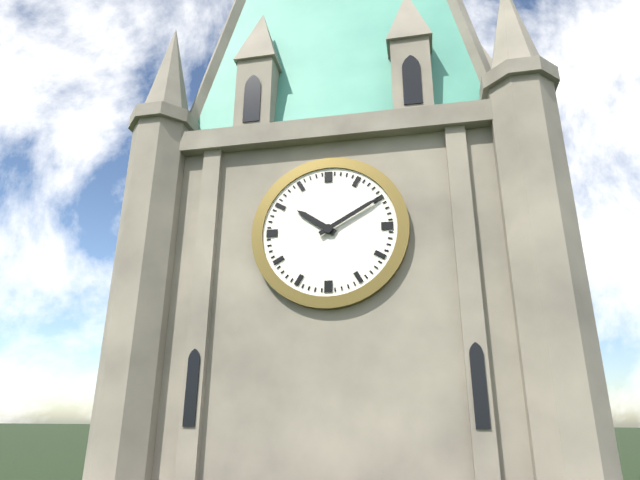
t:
10,10
